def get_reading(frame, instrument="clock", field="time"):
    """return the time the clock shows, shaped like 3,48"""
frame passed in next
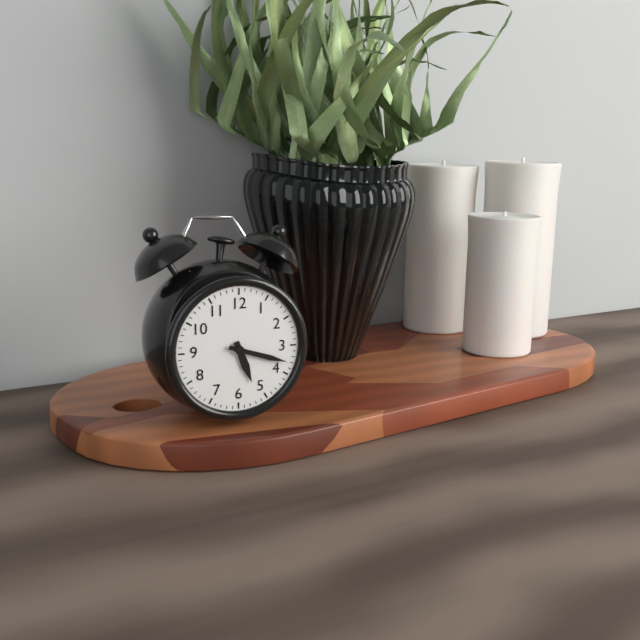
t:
5,18
